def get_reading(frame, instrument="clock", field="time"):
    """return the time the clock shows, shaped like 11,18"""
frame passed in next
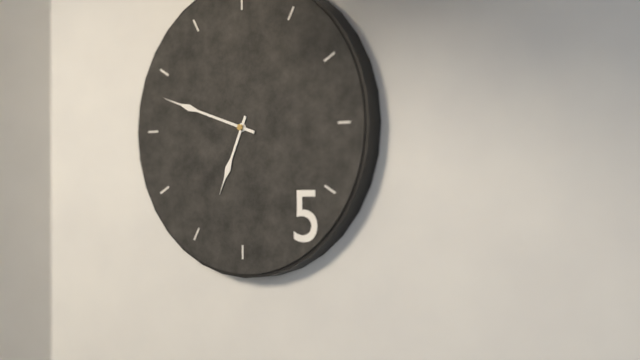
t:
6,48
